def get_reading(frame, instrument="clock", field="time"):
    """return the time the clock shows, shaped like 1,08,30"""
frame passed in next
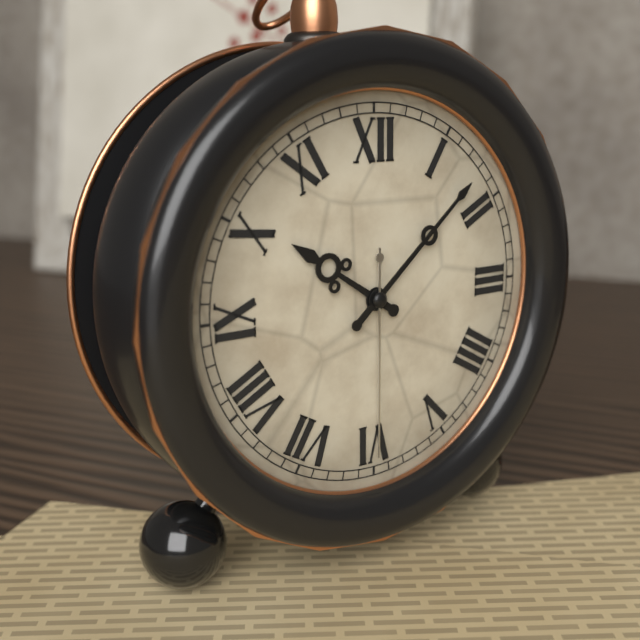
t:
10,08,30
